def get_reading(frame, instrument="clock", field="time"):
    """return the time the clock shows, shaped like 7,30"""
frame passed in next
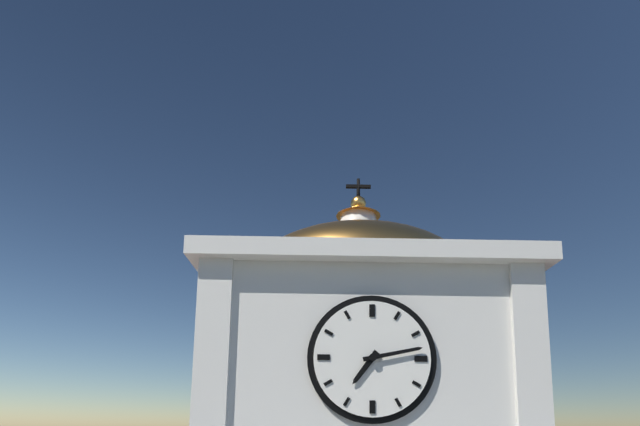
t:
7,13
